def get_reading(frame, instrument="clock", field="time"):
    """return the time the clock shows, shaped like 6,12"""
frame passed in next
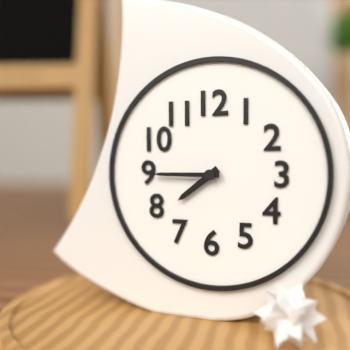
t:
7,45
